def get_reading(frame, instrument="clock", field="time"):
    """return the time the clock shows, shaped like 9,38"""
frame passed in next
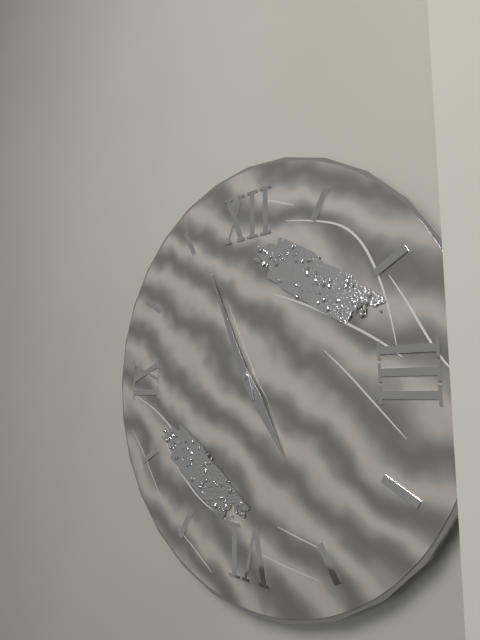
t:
4,56
